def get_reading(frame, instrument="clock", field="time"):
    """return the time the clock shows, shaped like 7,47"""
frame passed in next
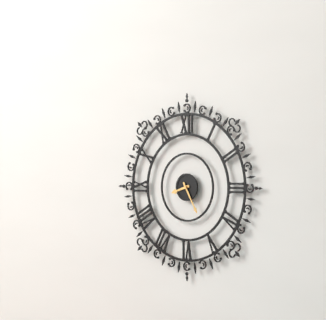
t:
8,25
